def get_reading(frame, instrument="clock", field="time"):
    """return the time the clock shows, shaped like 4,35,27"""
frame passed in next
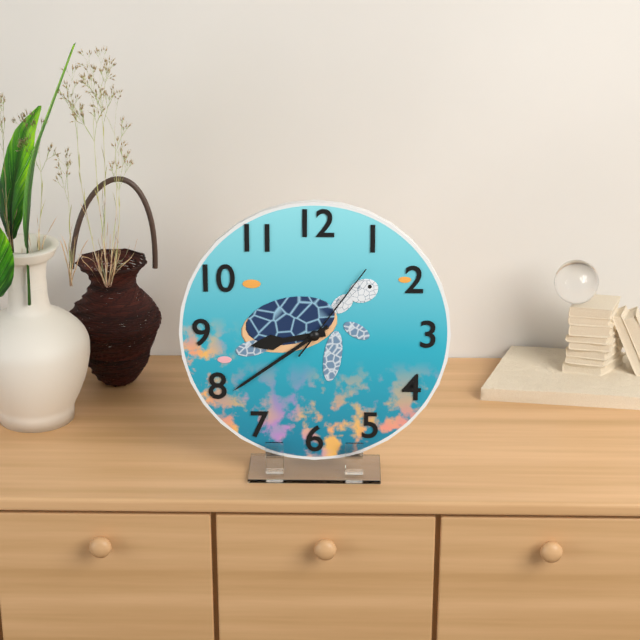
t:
8,39,06
